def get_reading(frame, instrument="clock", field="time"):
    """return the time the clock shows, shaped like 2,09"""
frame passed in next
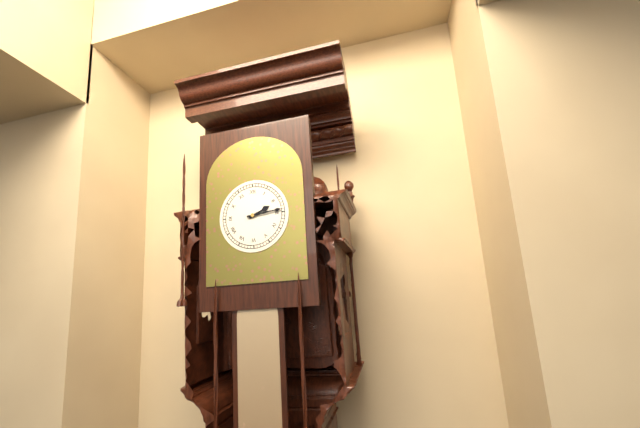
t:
2,14
